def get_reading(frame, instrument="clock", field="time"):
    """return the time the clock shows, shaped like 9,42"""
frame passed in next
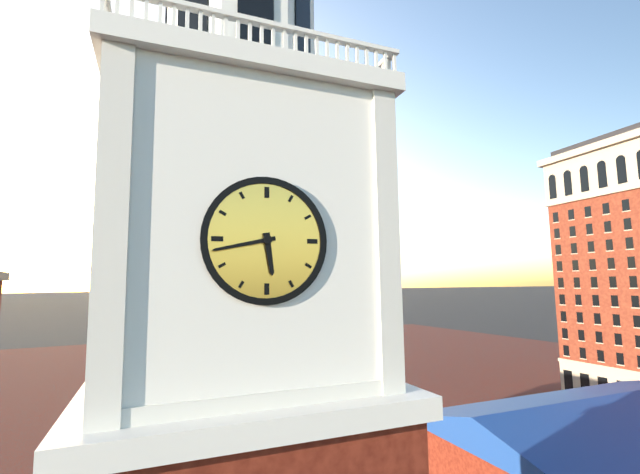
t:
5,43
